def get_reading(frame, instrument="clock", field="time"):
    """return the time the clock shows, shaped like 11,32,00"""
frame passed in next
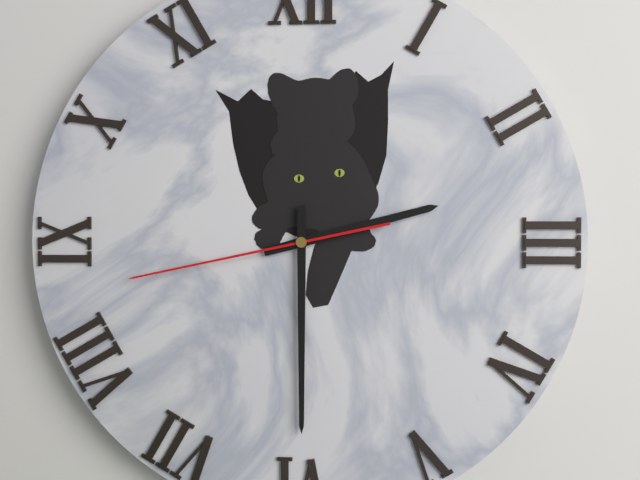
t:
2,30,43
